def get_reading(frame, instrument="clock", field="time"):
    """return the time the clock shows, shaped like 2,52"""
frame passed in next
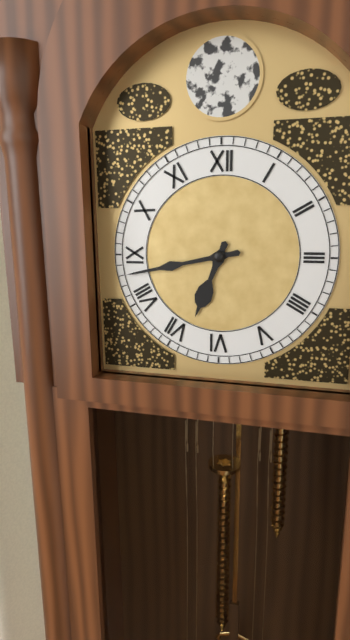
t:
6,43
